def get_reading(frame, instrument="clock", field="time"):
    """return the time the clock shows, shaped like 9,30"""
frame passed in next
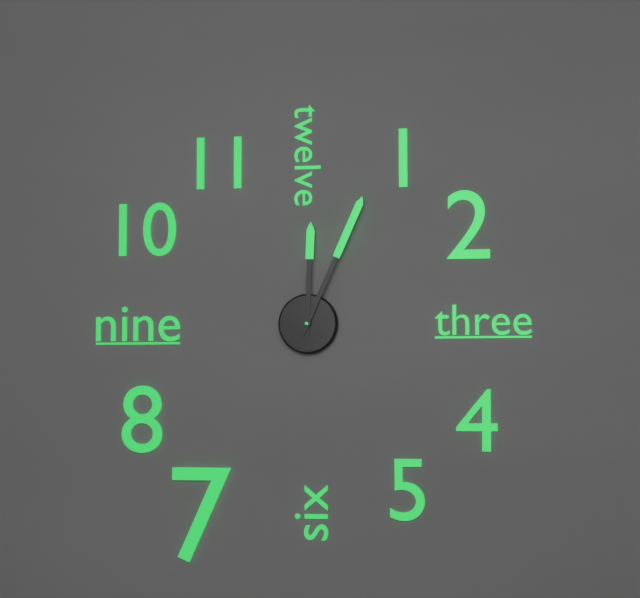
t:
12,04
